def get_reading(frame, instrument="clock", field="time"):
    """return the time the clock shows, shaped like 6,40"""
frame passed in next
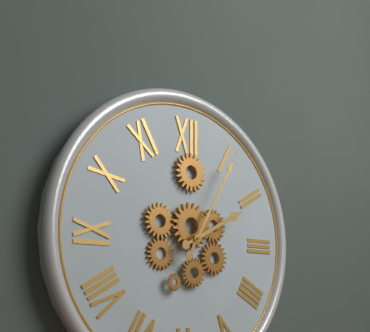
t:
2,05
